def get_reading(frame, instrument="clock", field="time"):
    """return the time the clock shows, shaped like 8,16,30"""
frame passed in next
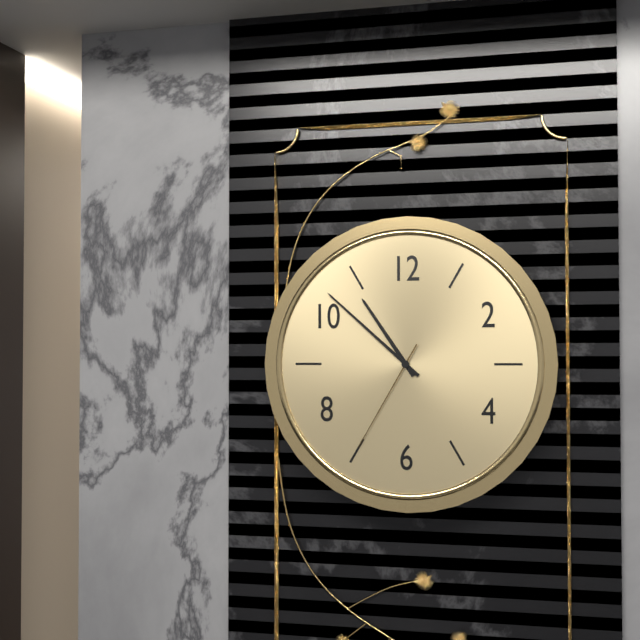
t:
10,52,35
